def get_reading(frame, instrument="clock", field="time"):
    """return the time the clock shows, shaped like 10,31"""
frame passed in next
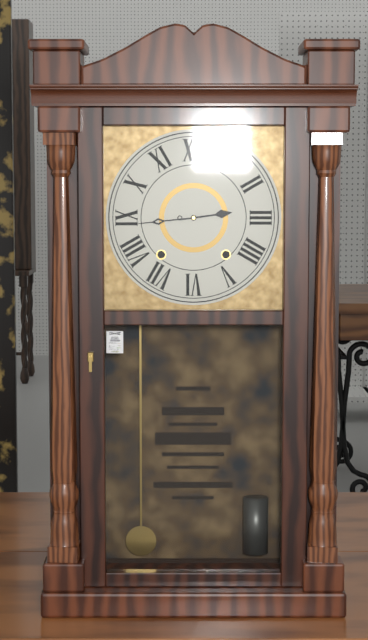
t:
2,44
